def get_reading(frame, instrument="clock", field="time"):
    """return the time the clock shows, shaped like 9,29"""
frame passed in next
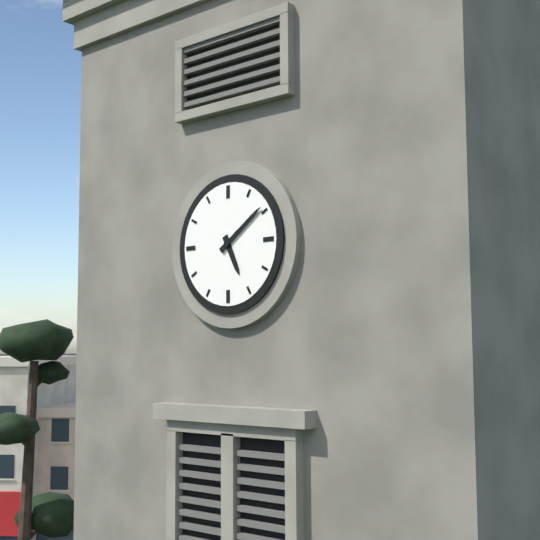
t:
5,09
